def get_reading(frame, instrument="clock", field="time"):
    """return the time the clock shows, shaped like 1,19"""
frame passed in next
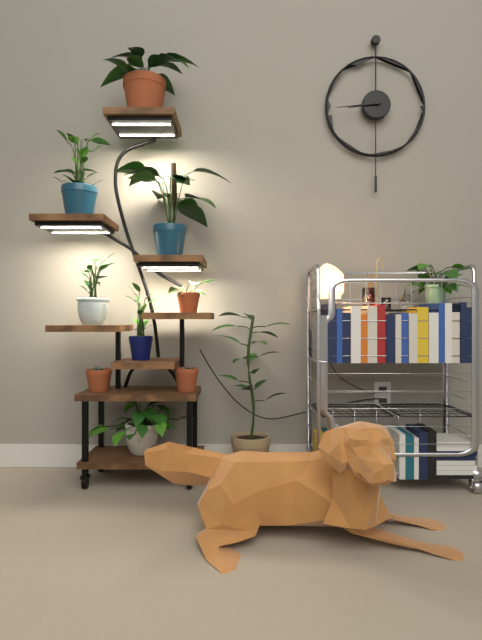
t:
8,44
